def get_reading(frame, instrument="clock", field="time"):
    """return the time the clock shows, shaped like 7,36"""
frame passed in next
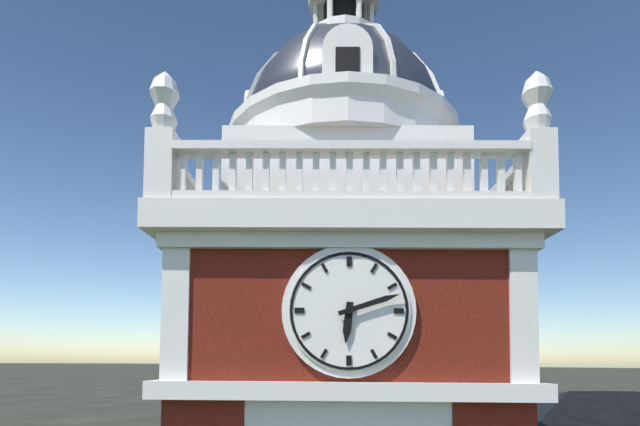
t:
6,12
